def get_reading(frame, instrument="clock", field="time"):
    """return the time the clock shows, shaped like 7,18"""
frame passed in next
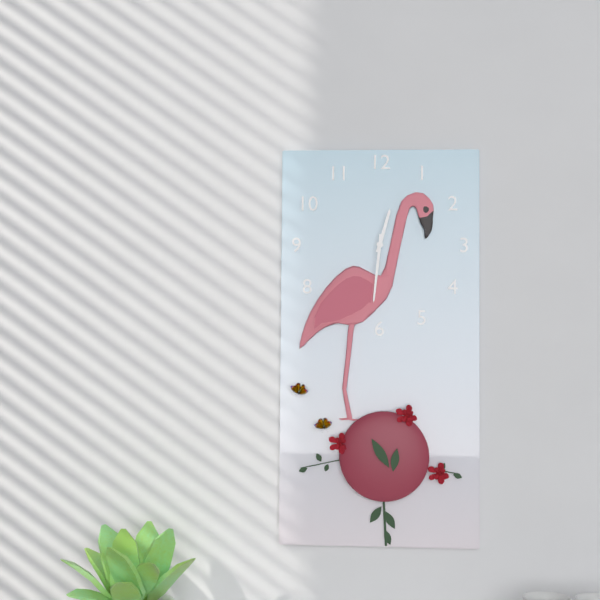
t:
12,31
